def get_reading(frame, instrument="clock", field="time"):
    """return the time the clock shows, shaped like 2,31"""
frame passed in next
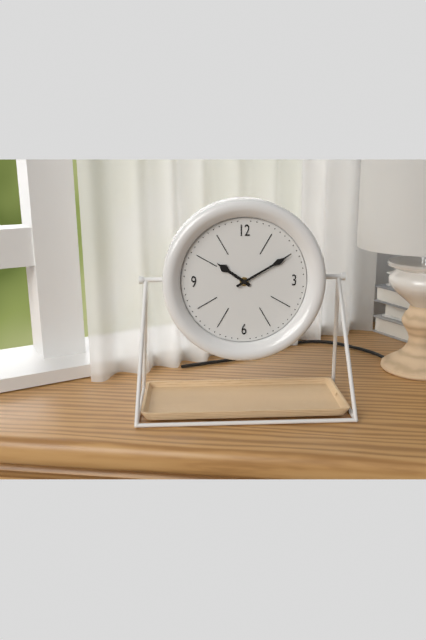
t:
10,10
